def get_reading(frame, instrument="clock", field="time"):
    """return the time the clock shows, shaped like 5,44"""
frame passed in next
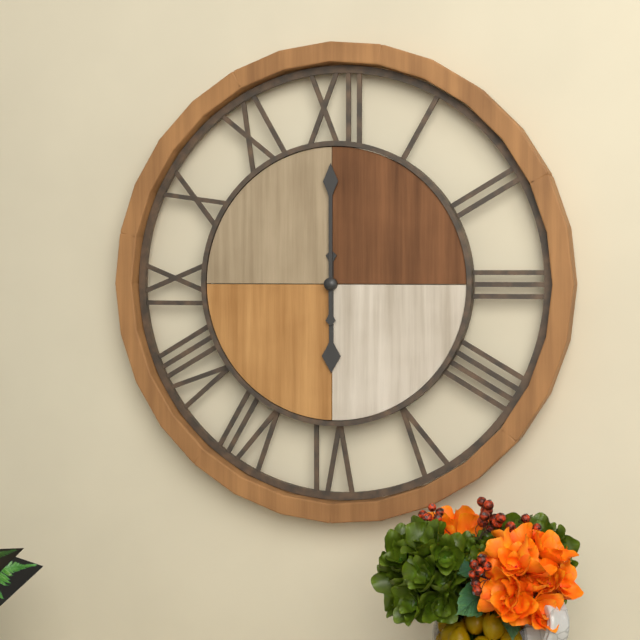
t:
6,00
